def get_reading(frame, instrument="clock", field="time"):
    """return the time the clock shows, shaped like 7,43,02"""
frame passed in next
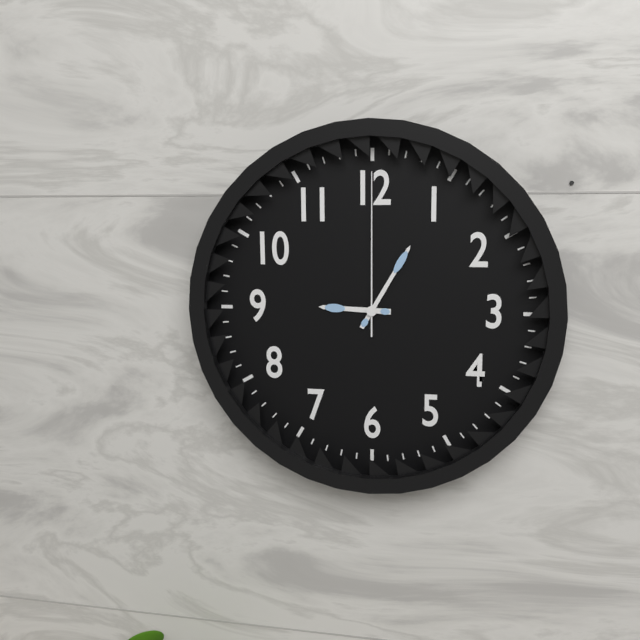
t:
9,05,00
